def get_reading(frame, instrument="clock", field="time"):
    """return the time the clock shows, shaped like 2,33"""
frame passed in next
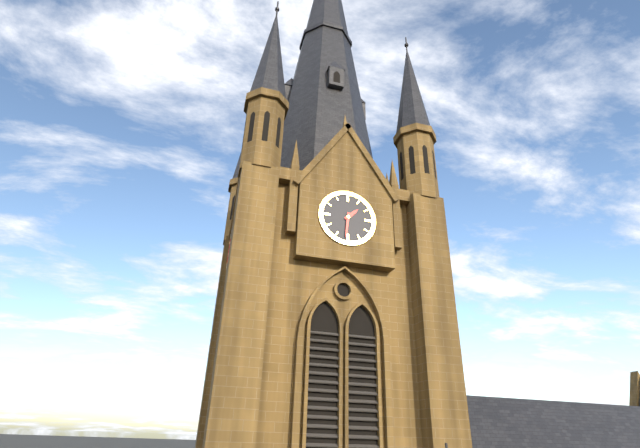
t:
1,31
